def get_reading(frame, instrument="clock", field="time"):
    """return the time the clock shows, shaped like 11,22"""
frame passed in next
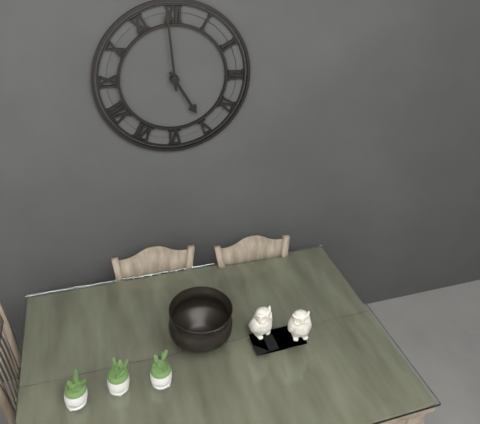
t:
4,59
